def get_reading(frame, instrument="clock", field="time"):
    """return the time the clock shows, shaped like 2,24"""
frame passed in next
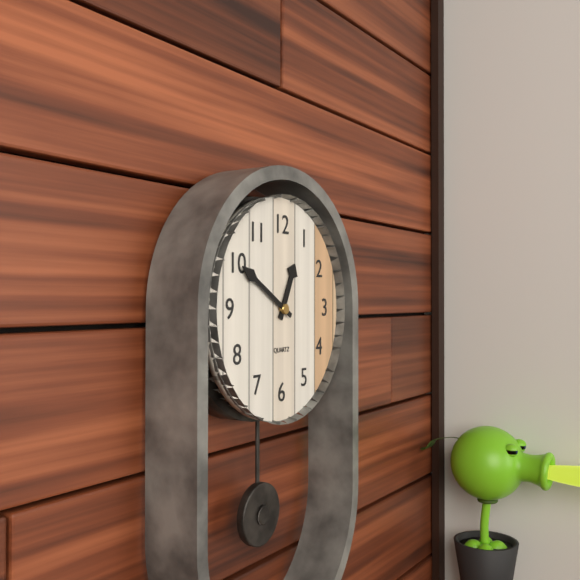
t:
12,50
